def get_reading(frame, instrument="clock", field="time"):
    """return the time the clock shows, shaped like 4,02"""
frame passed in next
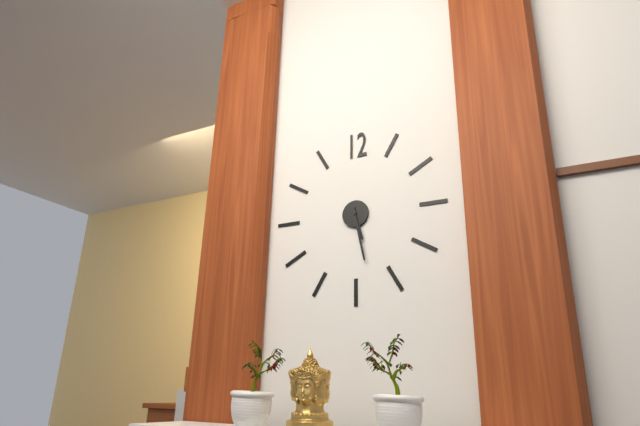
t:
5,28
